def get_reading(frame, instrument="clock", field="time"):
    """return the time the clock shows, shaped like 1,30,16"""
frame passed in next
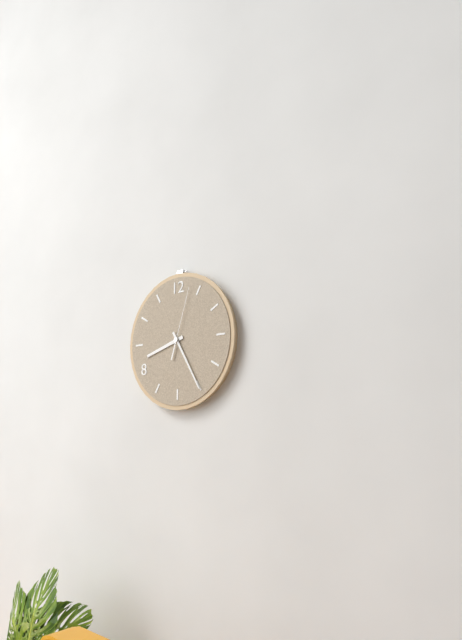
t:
8,25,03
